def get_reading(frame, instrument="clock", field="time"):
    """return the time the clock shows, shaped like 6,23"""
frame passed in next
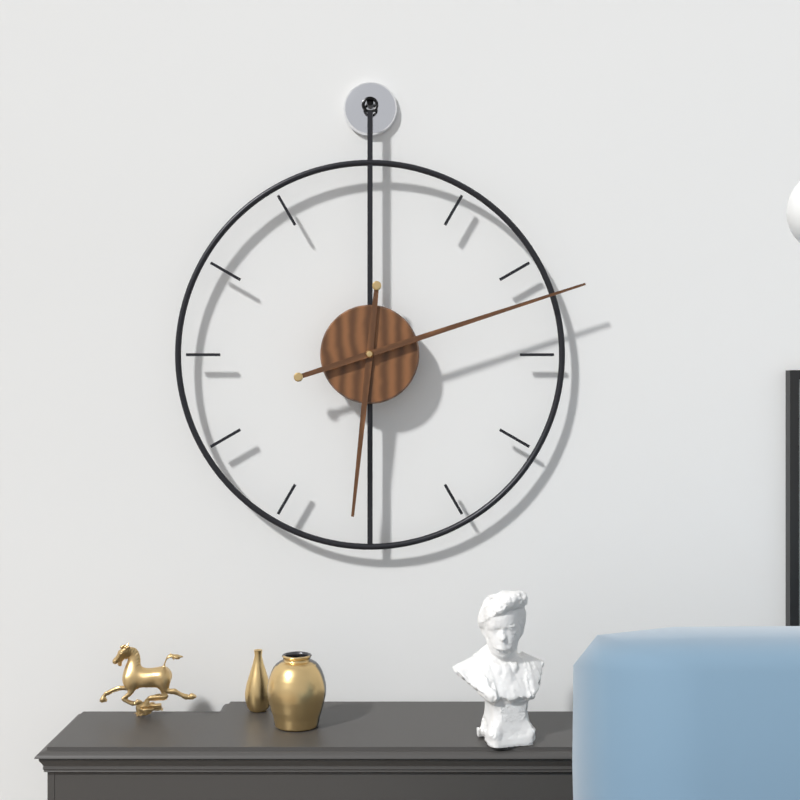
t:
6,12
